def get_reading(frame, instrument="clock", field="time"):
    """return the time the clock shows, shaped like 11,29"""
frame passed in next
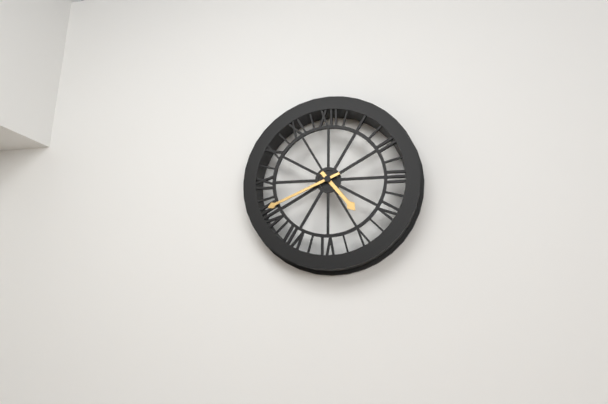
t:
4,41
